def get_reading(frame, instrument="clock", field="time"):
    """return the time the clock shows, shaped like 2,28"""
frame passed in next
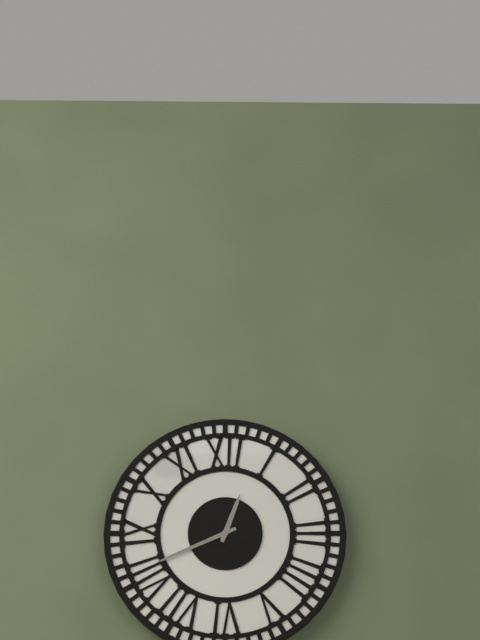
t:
12,41
